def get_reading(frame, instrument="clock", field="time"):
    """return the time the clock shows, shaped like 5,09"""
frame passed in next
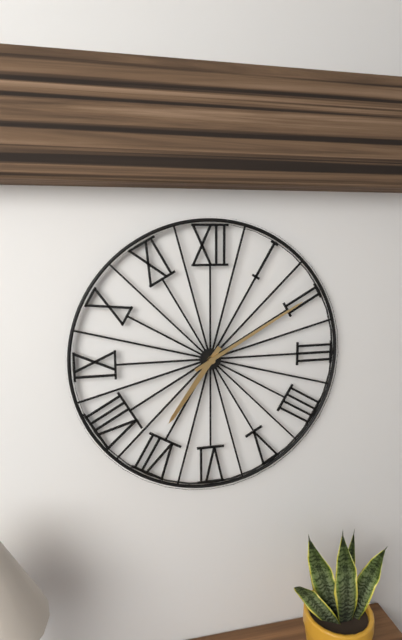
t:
7,10
